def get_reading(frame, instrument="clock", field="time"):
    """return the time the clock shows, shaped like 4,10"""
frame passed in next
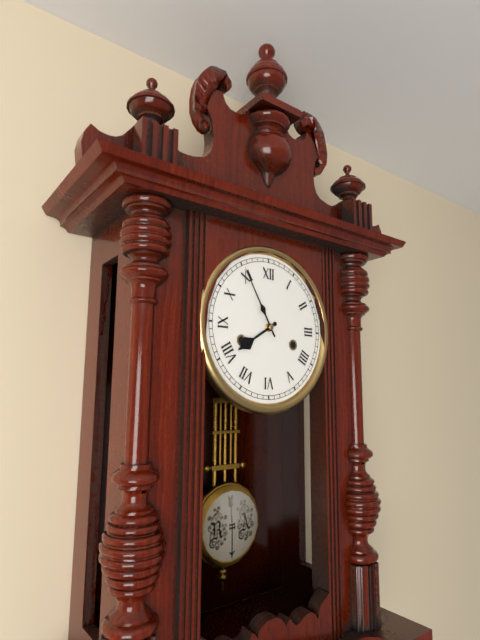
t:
7,55
